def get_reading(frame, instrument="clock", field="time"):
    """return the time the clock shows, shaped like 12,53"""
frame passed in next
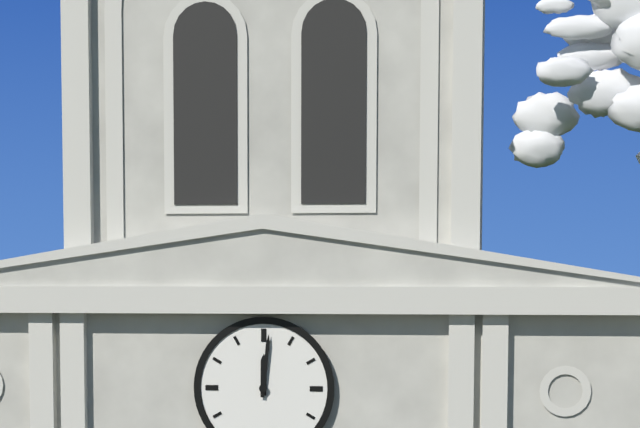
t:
12,01
